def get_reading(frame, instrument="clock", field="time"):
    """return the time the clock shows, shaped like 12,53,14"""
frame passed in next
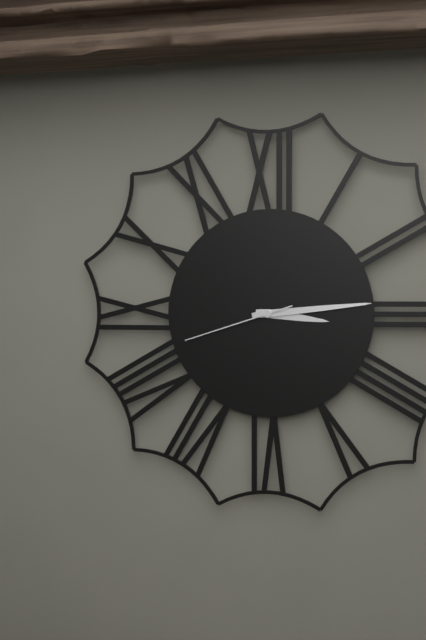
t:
3,14,42
